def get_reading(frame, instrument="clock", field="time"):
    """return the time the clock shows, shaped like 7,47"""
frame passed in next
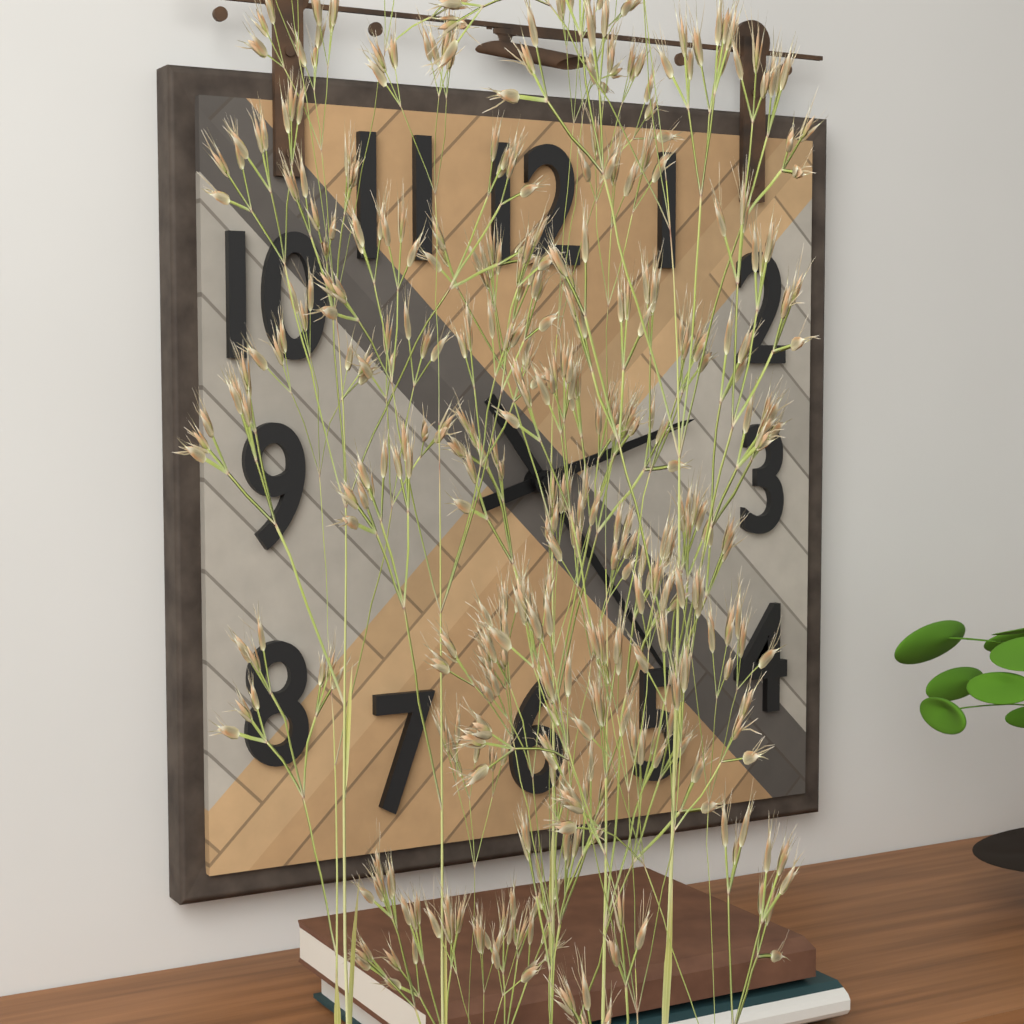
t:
2,24
